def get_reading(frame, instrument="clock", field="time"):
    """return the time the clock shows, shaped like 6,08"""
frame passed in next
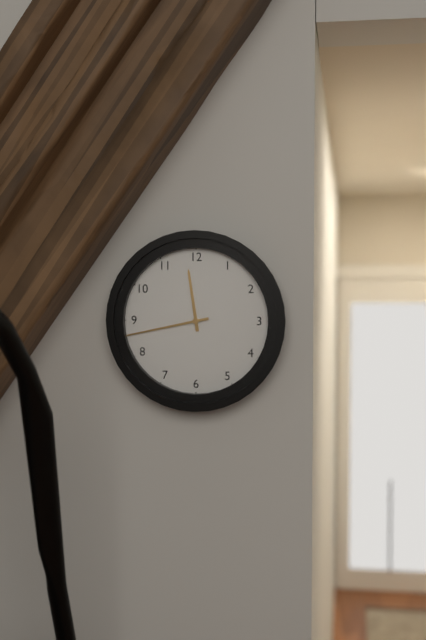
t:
11,43
